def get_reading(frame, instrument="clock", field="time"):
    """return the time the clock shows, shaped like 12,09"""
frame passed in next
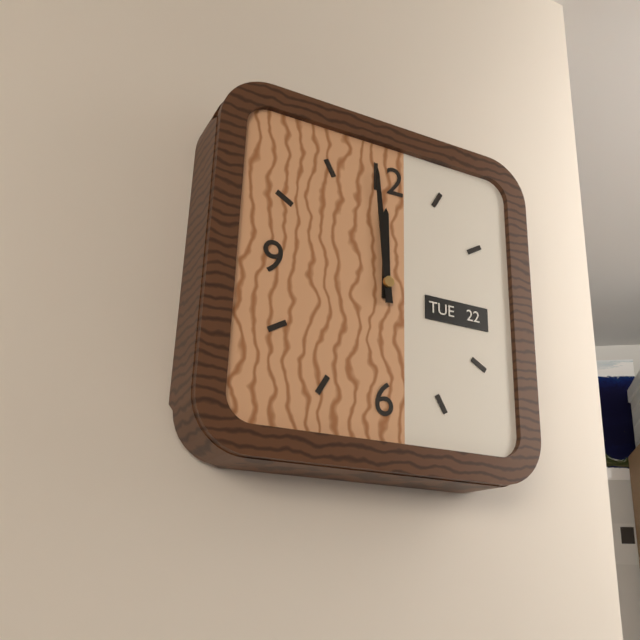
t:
11,59
